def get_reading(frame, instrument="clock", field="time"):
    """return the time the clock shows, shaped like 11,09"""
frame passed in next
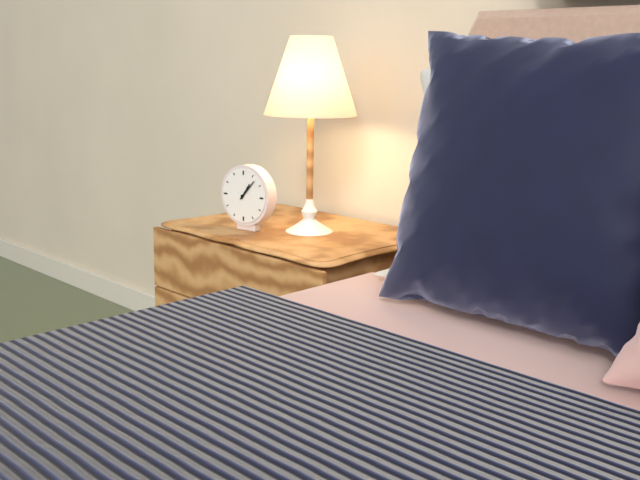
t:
1,07
